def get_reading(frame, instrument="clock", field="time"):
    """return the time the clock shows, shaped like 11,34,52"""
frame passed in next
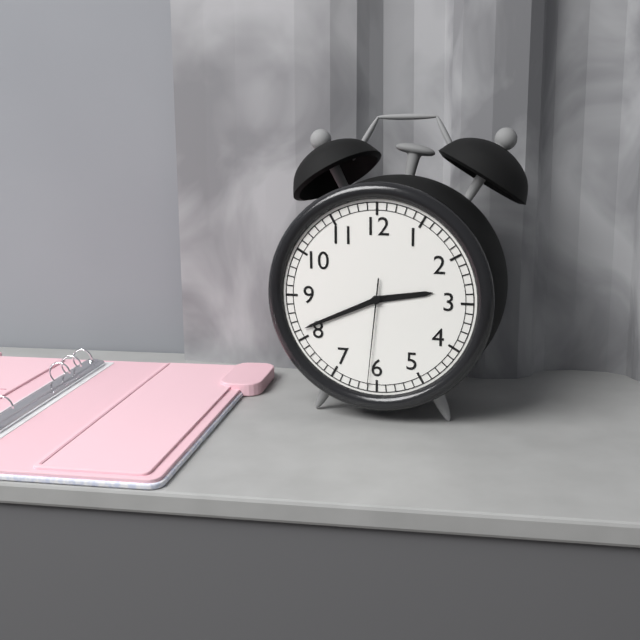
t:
2,41,31
